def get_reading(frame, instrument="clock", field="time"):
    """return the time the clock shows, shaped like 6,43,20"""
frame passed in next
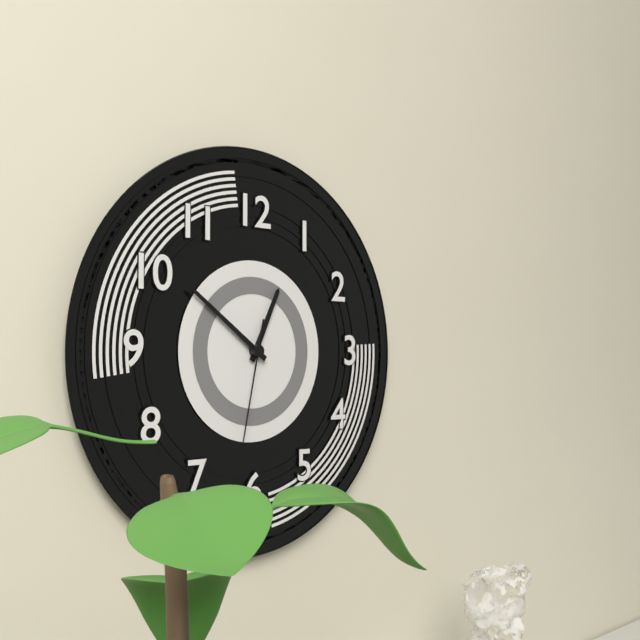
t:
12,51,32
